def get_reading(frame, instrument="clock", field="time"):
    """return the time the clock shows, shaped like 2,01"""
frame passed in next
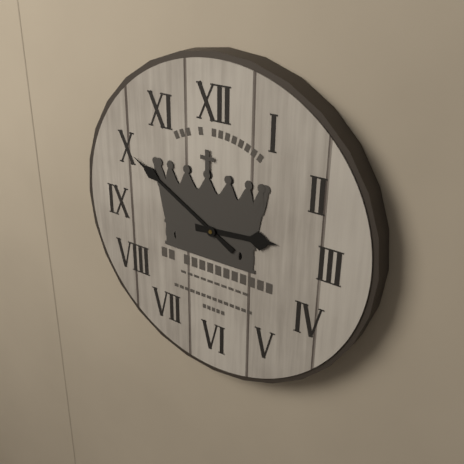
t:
2,50
